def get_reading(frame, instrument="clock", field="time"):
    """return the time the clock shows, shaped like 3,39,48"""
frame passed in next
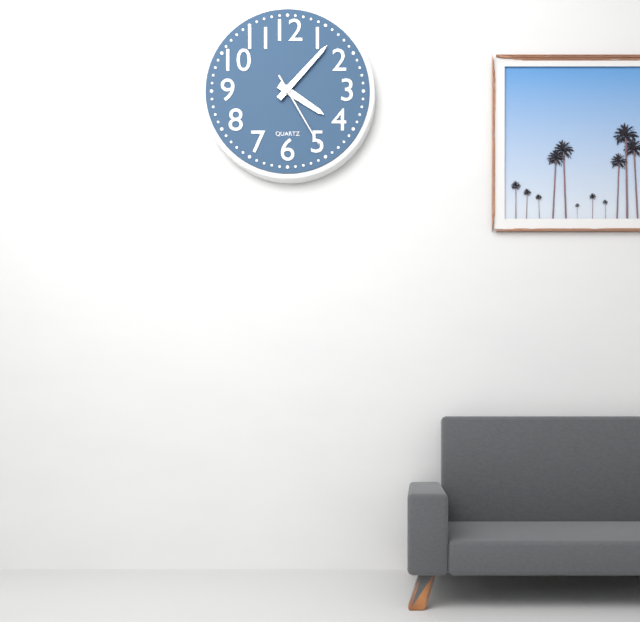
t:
4,07,25
